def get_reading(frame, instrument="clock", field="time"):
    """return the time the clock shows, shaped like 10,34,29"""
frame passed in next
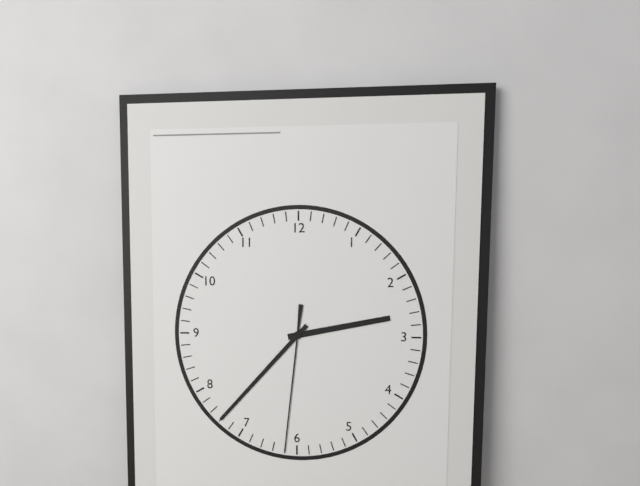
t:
2,37,31
